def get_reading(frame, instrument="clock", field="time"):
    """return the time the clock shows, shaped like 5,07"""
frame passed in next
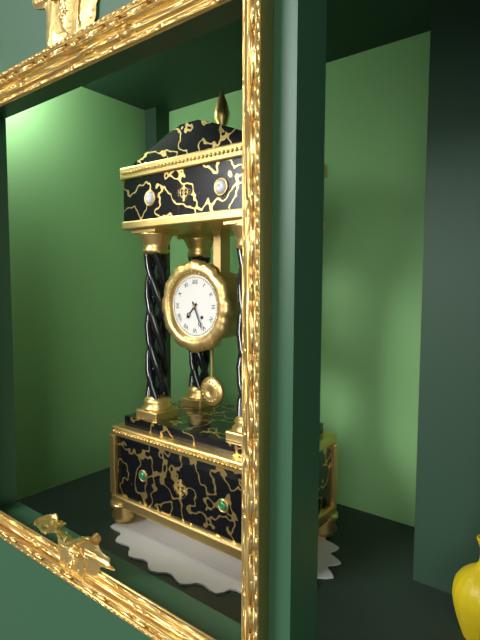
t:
7,26
